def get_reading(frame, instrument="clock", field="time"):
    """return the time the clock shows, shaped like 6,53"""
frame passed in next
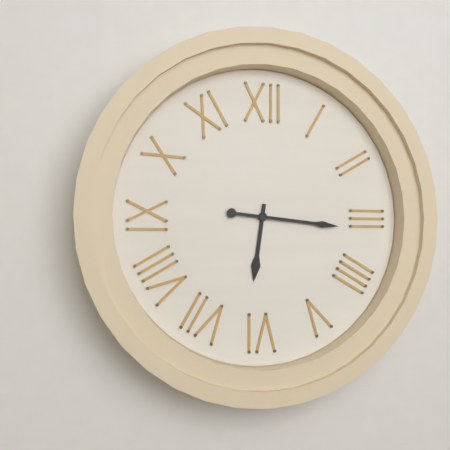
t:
6,16
